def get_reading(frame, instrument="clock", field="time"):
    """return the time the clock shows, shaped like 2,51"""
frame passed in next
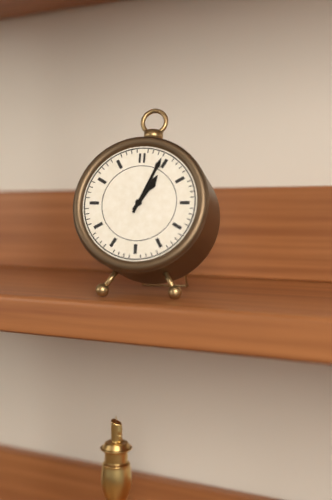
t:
1,04
